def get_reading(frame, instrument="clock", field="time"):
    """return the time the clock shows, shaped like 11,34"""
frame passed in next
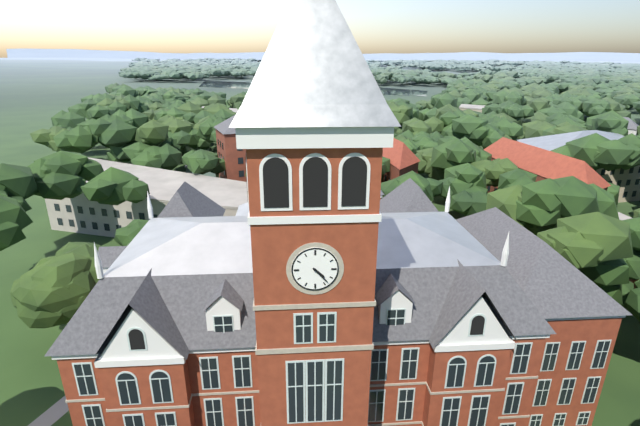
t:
4,23
